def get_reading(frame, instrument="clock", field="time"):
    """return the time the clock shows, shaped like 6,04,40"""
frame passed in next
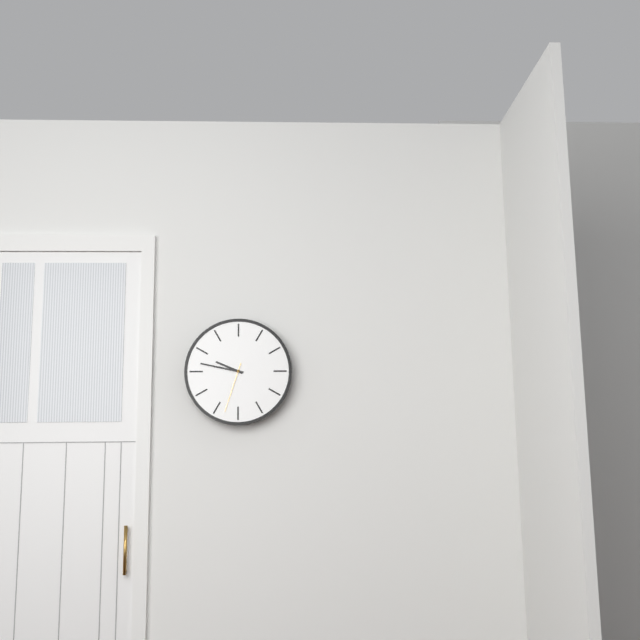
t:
9,47,33
